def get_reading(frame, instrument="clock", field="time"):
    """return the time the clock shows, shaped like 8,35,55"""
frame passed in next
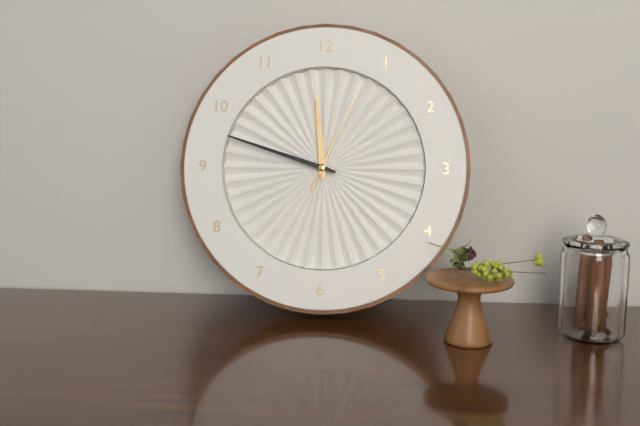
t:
11,48,04
